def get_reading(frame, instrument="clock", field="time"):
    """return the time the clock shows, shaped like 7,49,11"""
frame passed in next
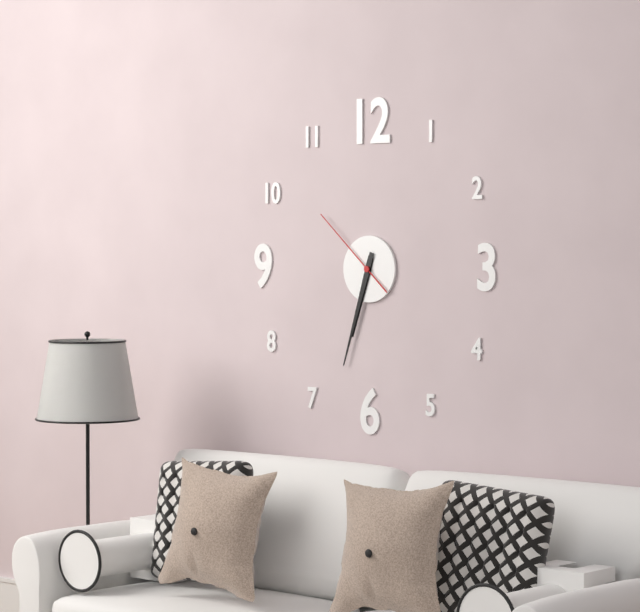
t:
6,33,52
